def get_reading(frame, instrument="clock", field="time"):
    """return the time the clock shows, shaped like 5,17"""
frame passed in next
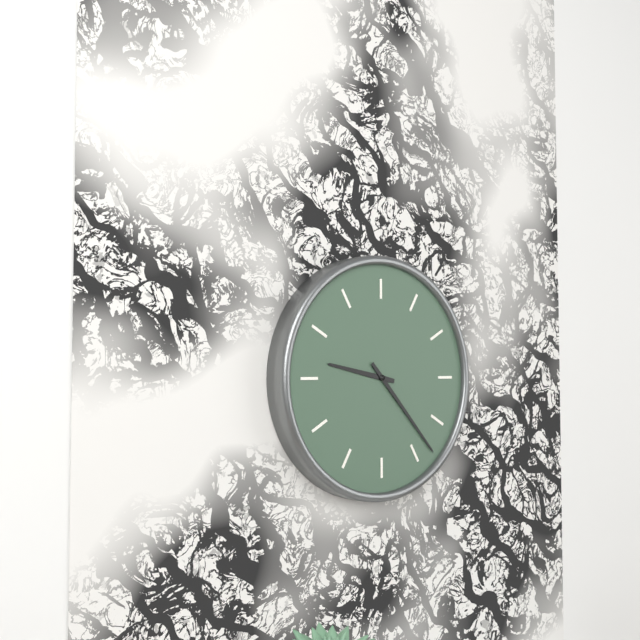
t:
9,23
